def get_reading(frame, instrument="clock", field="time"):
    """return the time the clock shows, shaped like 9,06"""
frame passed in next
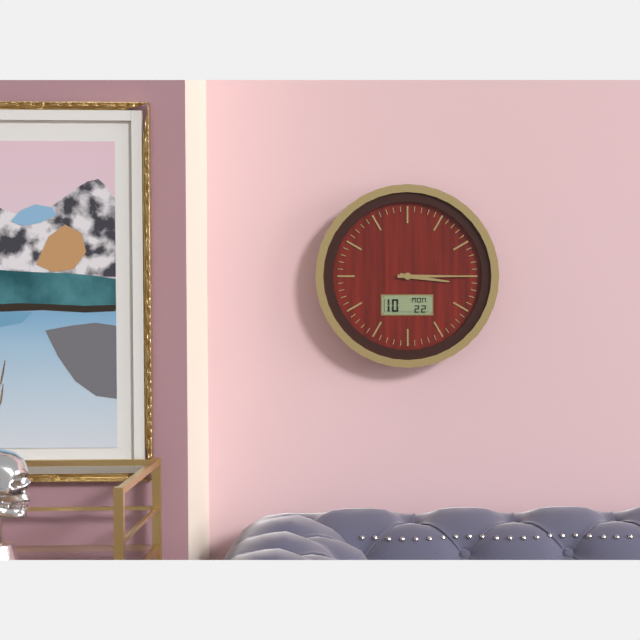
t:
3,15
